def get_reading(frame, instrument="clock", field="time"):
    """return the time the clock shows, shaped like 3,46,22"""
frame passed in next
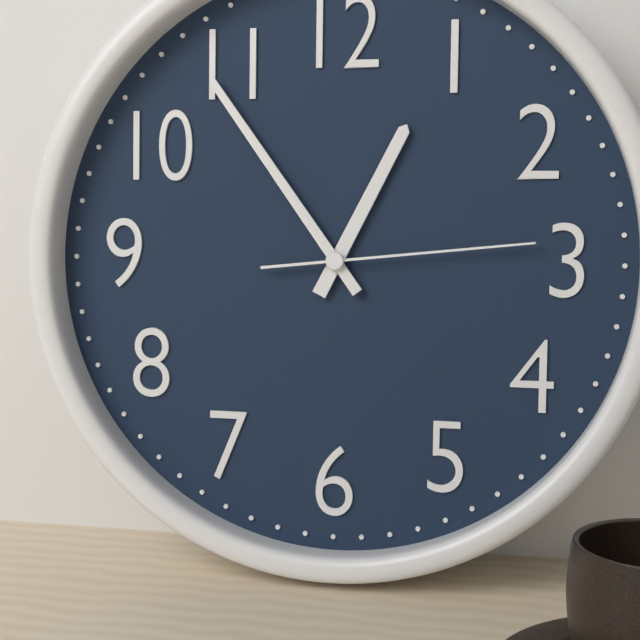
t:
12,54,14
